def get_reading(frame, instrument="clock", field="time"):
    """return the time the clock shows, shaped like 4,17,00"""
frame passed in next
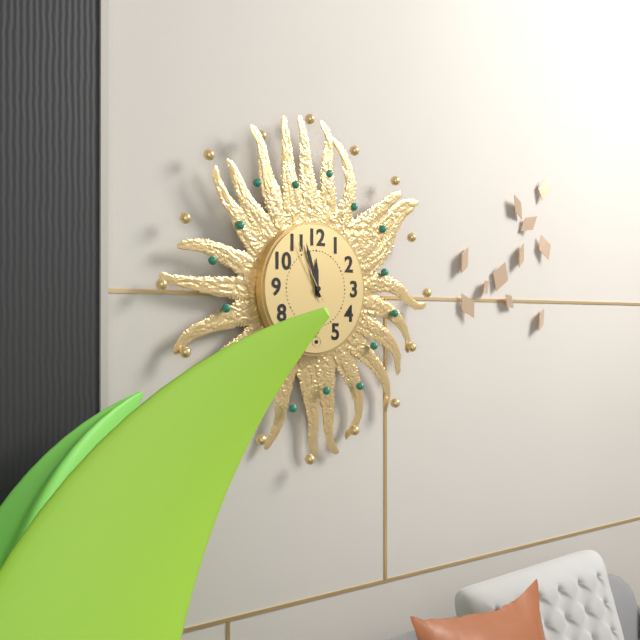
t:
11,57,55
